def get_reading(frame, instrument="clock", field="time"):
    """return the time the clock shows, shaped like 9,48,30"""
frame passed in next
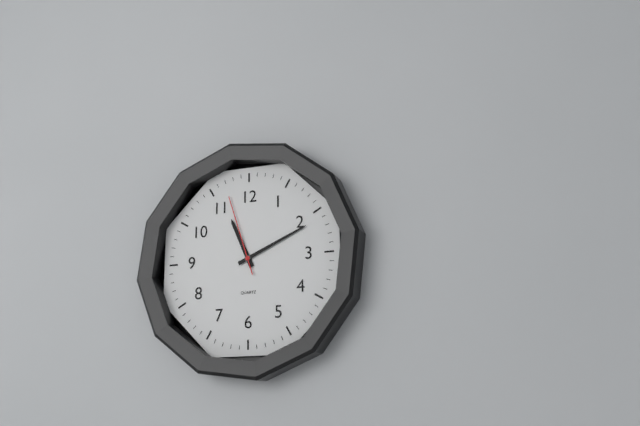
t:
11,11,57
